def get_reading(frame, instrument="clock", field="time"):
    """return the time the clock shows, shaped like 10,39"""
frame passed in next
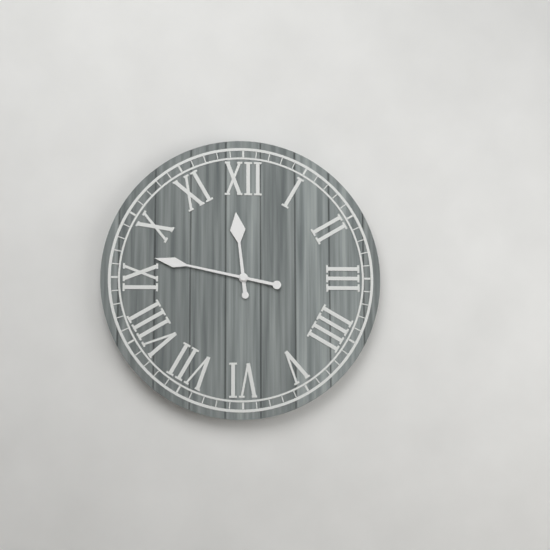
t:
11,47
